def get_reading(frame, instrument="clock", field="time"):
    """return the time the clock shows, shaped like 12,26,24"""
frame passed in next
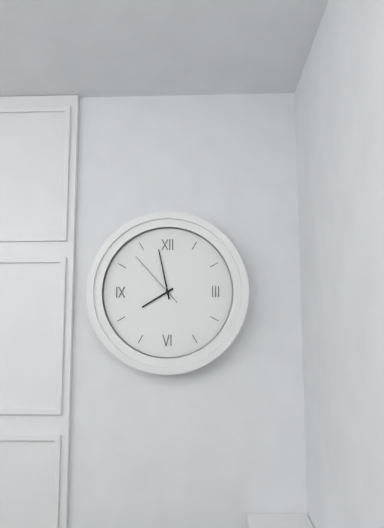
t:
7,58,53
